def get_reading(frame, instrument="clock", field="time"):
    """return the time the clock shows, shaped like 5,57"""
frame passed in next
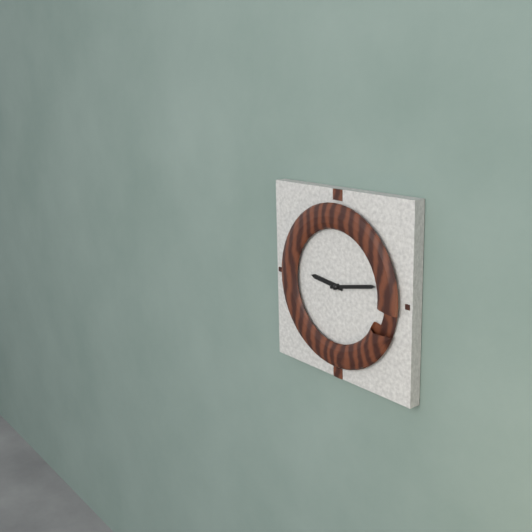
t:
9,13
